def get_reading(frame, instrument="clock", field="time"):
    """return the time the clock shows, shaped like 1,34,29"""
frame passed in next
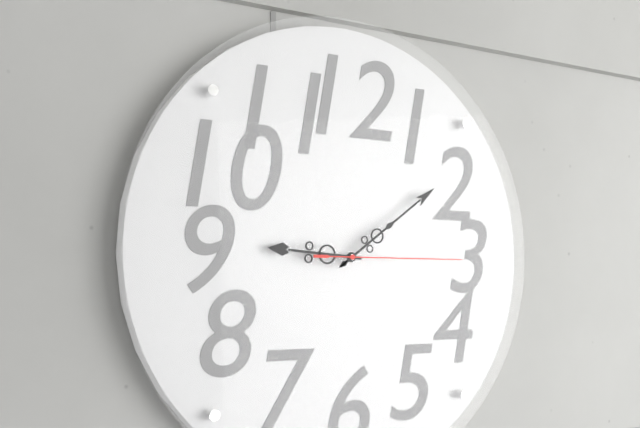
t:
9,09,15
